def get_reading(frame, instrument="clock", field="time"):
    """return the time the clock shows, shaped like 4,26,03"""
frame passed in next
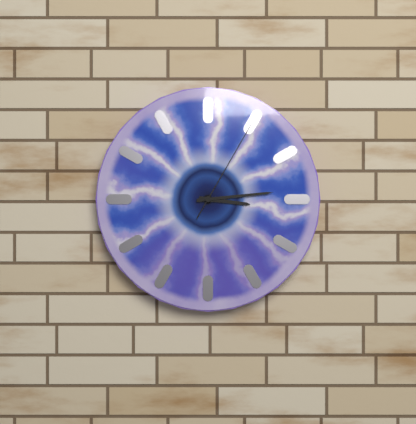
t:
3,14,05
